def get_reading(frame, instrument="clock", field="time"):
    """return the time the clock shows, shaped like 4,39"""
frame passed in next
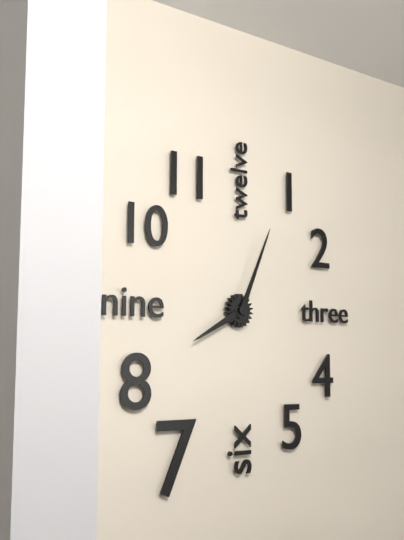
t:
8,04
